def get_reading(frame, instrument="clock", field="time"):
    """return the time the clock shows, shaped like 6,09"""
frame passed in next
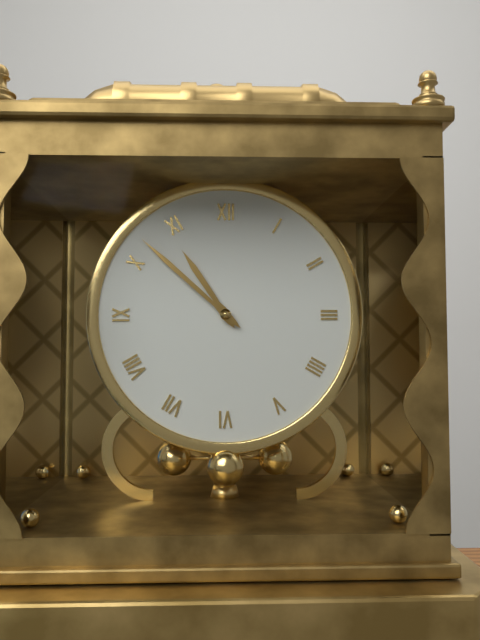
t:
10,52
